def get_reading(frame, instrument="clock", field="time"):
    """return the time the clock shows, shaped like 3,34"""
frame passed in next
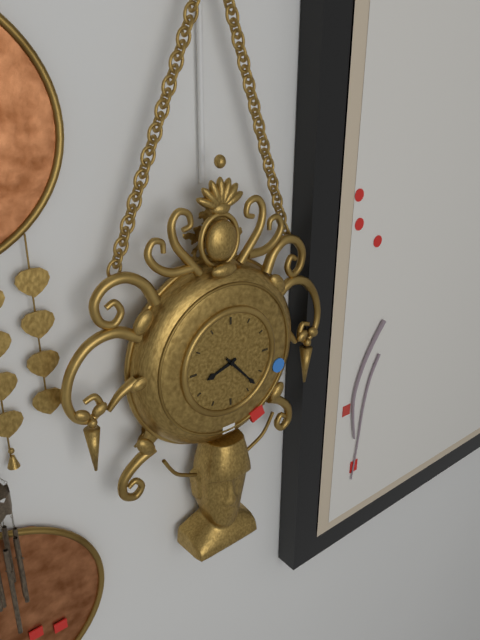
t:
8,23
